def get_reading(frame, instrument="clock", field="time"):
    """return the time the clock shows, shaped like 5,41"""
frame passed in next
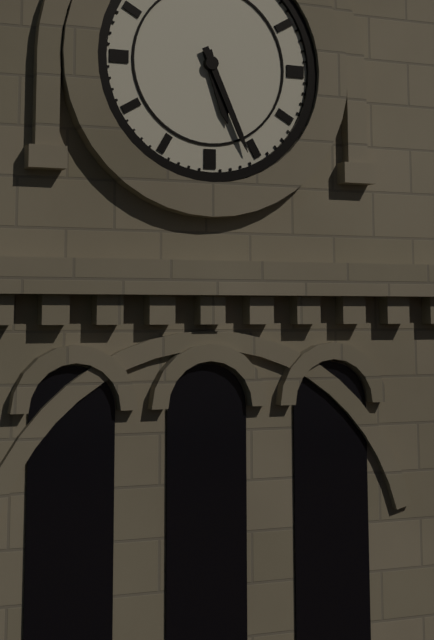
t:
5,26
